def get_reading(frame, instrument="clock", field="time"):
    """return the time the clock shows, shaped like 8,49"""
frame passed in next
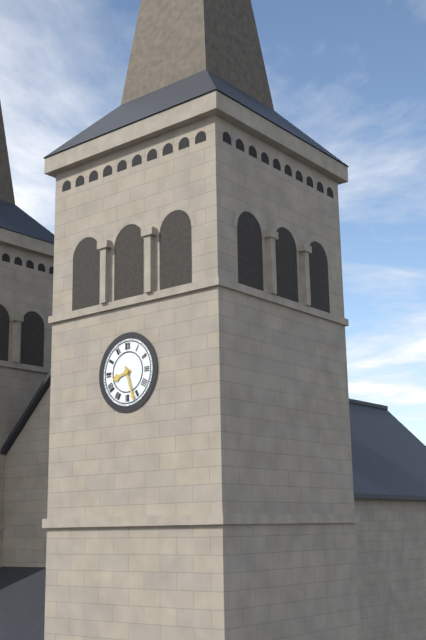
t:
8,27
